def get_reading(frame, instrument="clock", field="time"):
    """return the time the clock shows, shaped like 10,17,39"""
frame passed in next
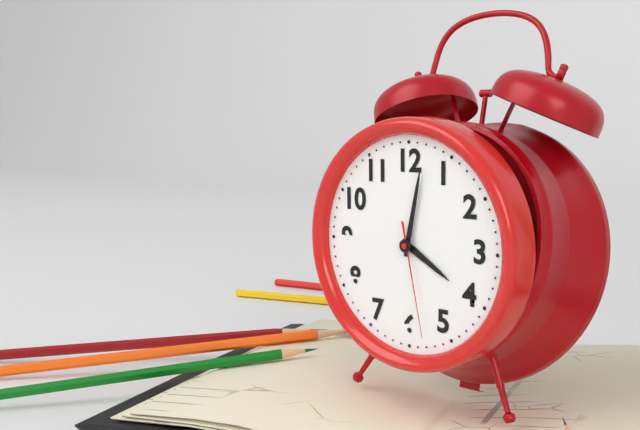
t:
4,02,28
